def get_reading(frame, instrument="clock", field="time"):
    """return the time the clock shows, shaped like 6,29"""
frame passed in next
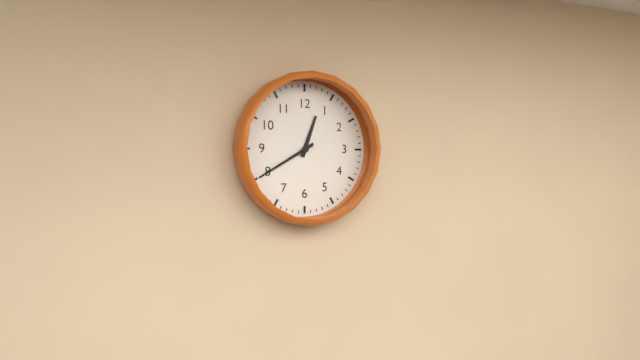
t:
12,40
